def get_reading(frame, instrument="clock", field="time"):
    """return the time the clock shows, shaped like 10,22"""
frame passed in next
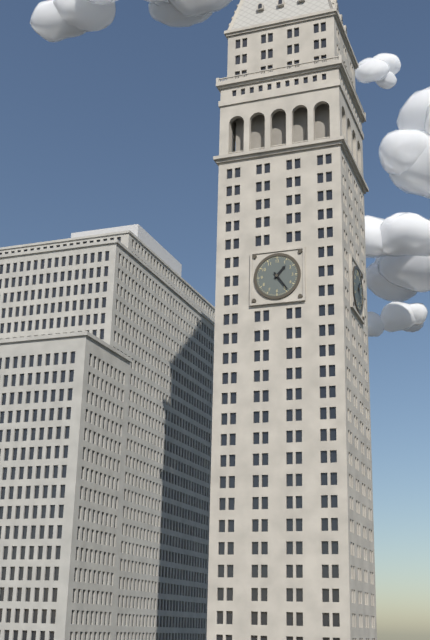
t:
1,24
